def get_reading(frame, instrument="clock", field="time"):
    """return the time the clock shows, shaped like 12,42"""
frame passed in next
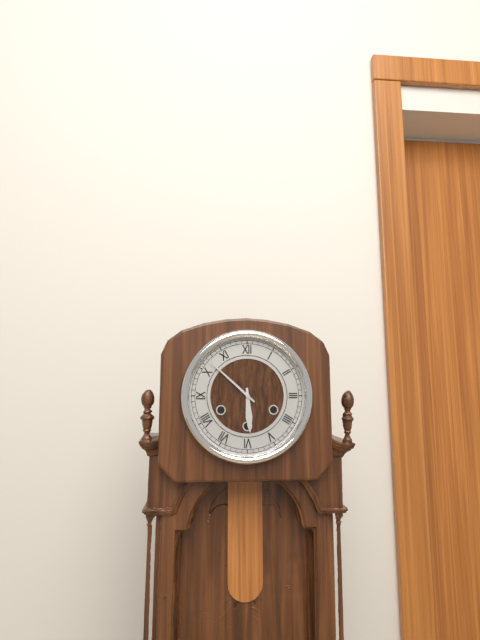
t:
5,52
